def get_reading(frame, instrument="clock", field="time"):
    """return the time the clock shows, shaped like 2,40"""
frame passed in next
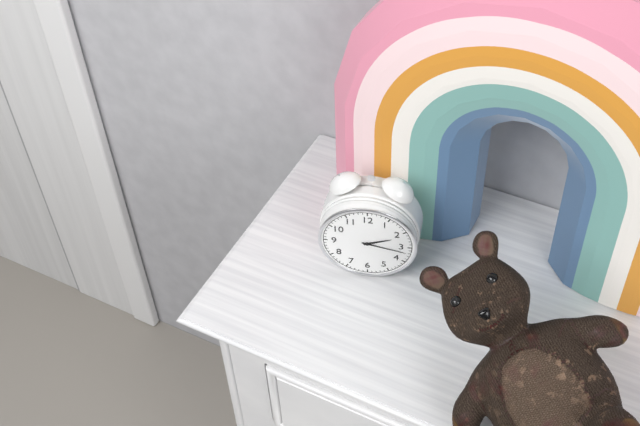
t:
2,17
